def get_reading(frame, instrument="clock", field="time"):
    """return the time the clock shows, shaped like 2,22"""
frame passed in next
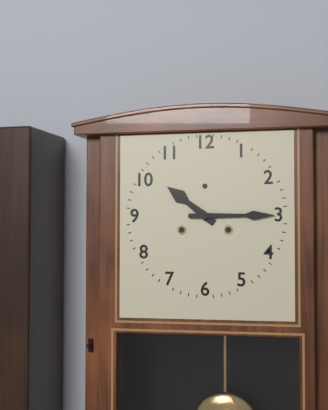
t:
10,15
